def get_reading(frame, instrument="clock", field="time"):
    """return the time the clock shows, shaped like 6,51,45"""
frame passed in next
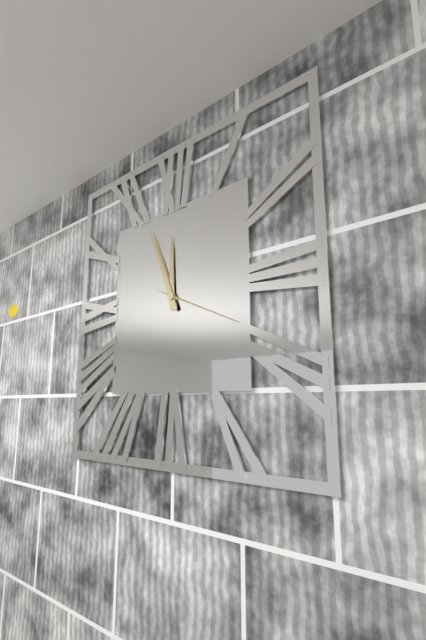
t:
11,56,19
